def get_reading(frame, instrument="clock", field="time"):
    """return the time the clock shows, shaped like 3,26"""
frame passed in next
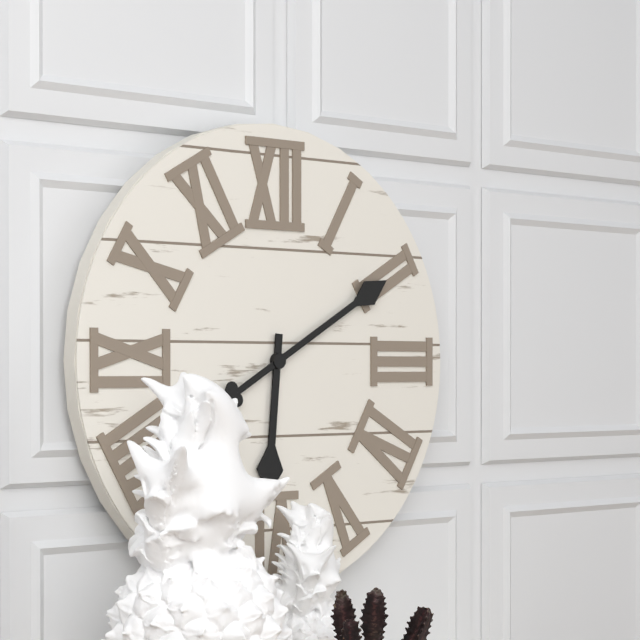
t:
6,10
